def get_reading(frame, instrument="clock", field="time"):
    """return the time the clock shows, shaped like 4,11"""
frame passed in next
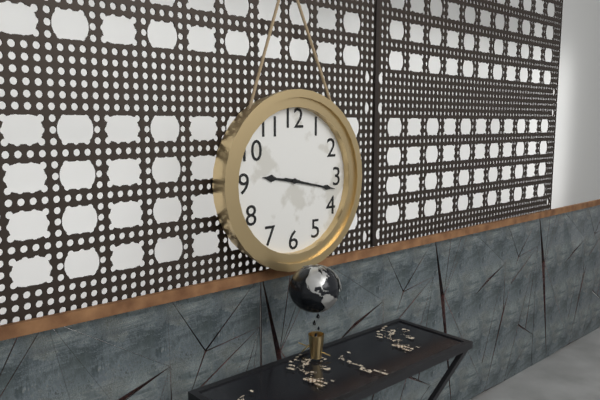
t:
9,17
